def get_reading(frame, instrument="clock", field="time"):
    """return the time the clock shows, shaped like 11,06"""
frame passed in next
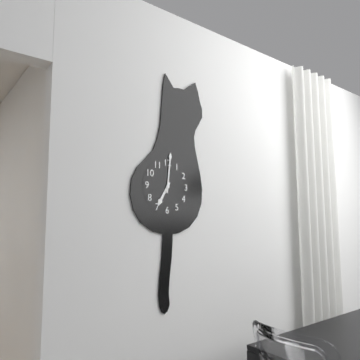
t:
7,01
